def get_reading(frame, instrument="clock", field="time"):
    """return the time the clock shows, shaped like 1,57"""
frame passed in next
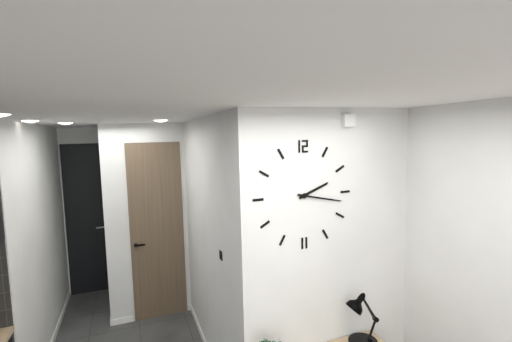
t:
2,17
